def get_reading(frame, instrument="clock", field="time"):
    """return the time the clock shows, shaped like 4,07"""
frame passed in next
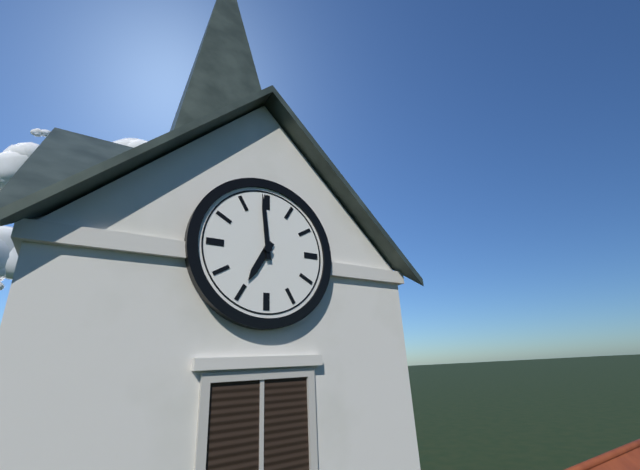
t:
6,59
